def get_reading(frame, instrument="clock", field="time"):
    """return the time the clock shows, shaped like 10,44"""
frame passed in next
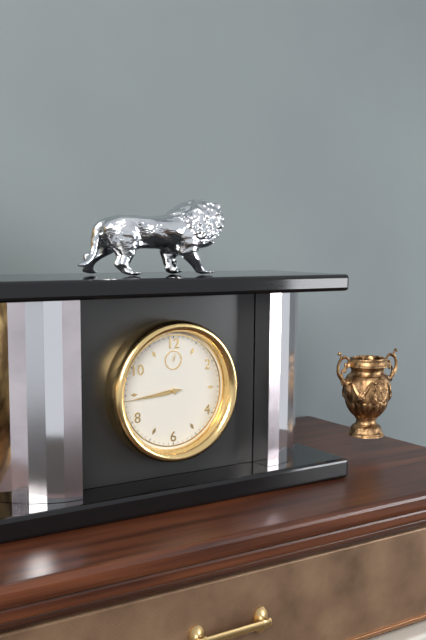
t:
8,44
